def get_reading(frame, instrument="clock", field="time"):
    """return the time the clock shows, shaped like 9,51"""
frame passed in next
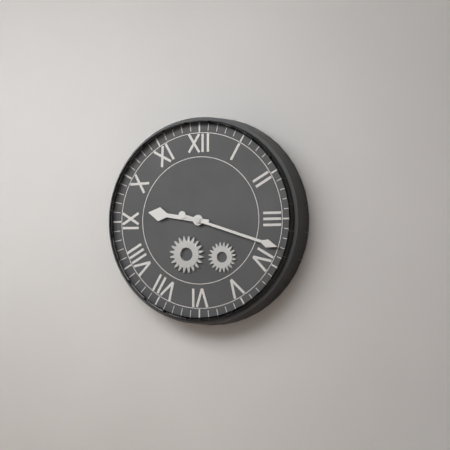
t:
9,18
